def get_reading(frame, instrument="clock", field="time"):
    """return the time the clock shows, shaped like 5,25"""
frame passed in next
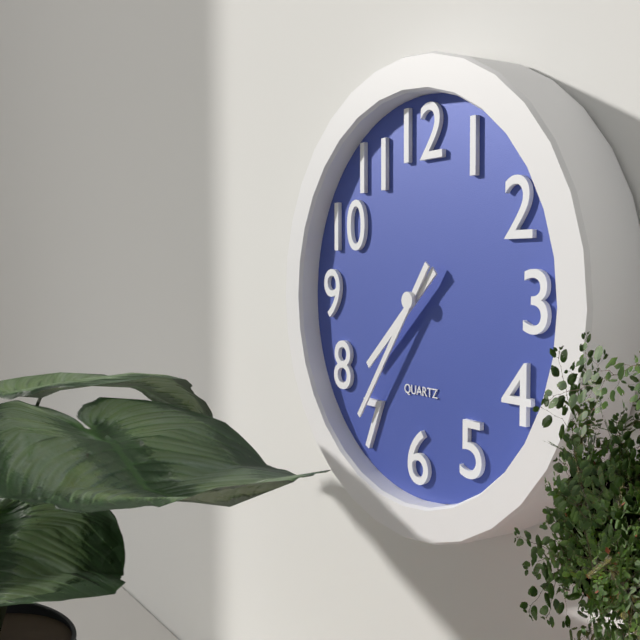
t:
7,36
